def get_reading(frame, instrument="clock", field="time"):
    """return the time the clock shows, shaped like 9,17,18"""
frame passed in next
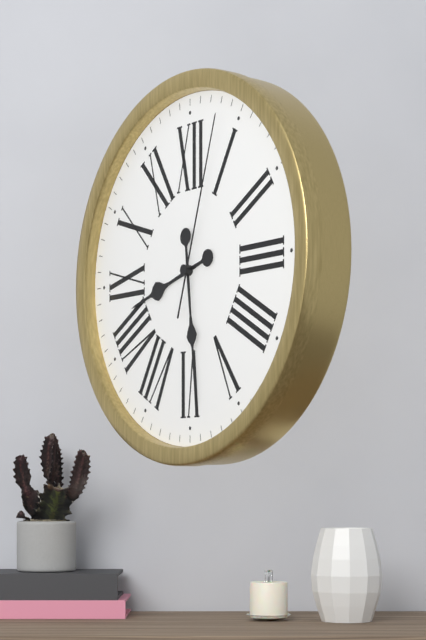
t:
8,29,03
